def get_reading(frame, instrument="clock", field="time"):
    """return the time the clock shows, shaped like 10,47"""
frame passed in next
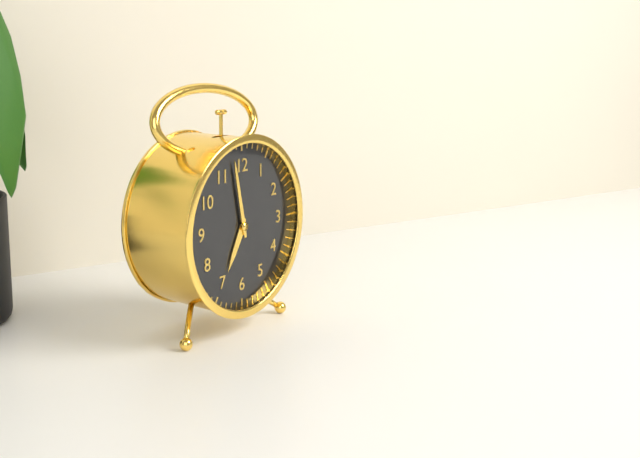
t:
6,58
